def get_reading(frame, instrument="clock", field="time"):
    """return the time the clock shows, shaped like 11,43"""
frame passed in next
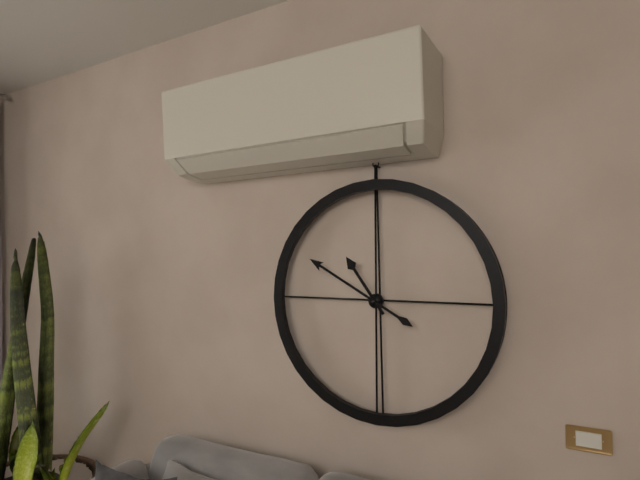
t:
10,50
